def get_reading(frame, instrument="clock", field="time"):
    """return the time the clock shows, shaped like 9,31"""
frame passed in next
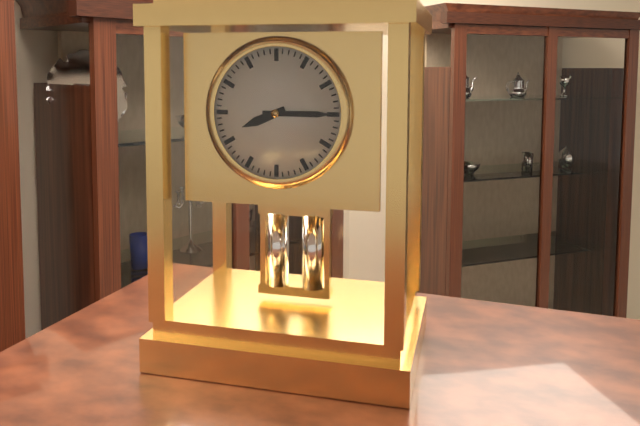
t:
8,15
